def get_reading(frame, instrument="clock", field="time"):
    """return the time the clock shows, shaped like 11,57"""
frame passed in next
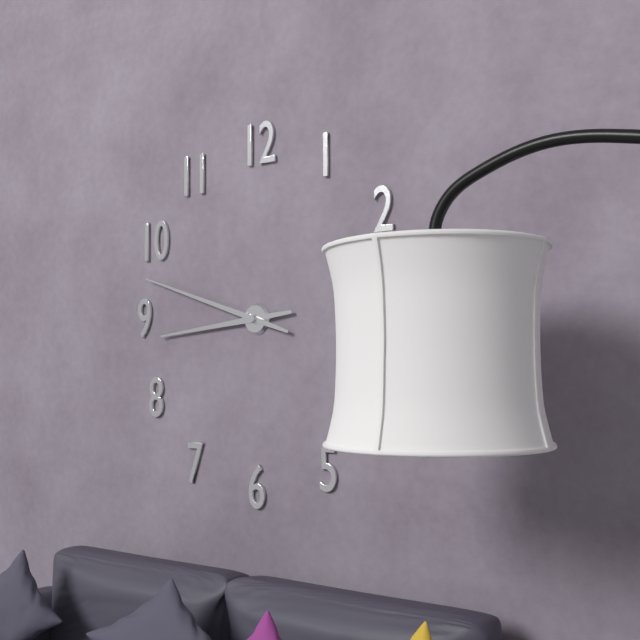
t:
8,48
